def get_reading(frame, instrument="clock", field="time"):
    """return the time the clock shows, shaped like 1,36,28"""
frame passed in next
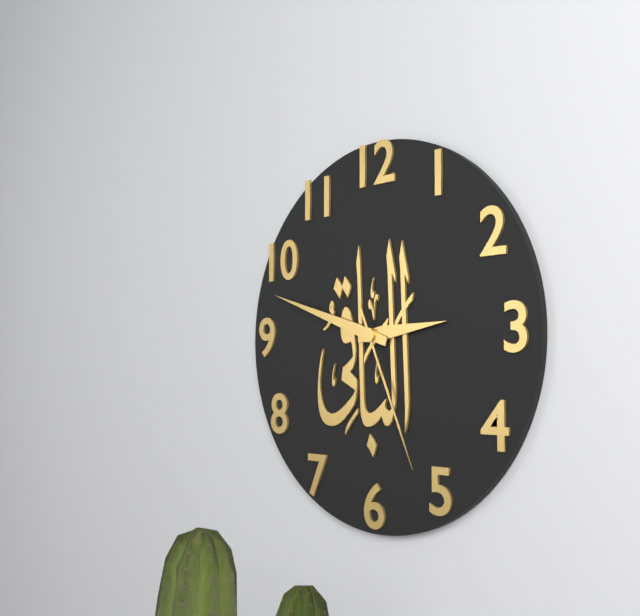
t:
2,48,26
